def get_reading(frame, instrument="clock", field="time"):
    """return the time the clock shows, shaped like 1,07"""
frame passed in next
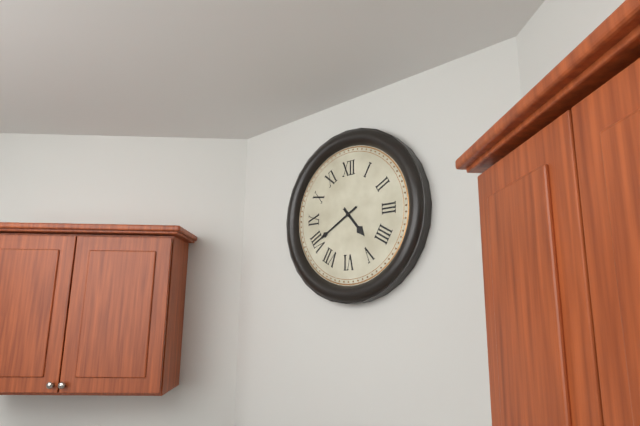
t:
4,40
